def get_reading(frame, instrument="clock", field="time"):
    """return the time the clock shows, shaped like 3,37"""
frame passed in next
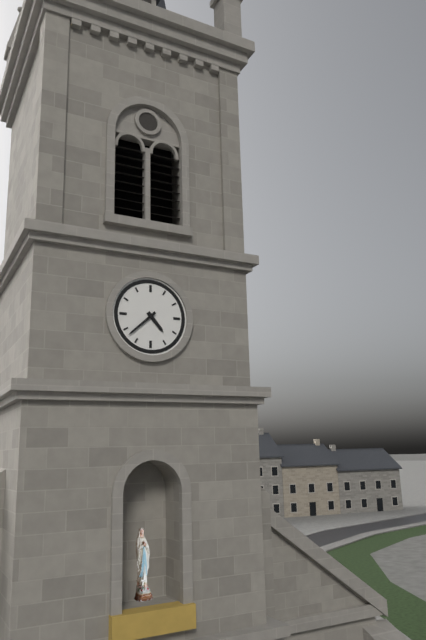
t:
4,38
